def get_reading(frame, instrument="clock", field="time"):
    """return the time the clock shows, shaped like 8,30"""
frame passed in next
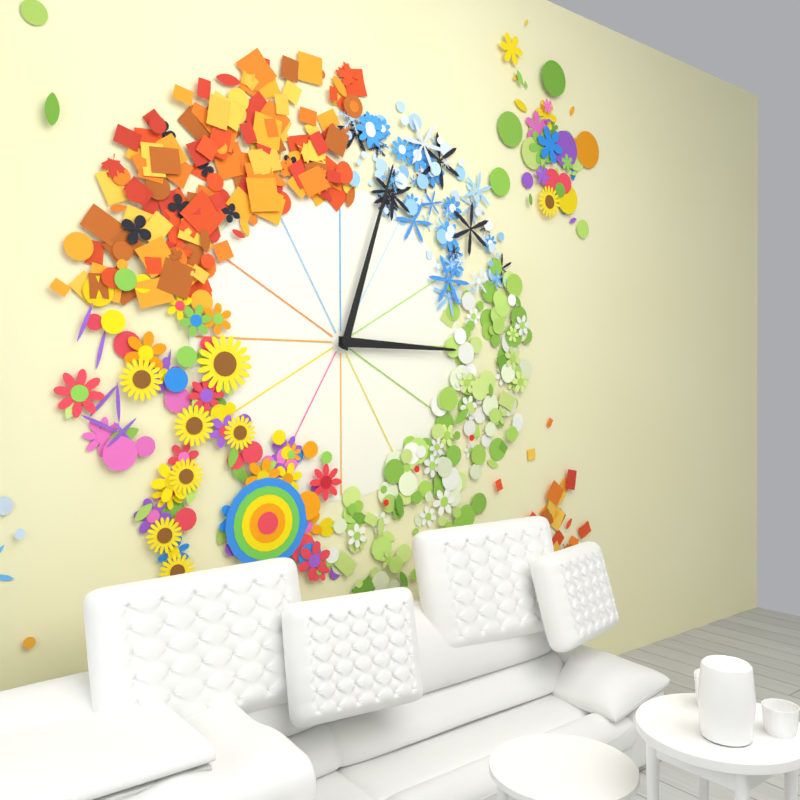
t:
3,03
